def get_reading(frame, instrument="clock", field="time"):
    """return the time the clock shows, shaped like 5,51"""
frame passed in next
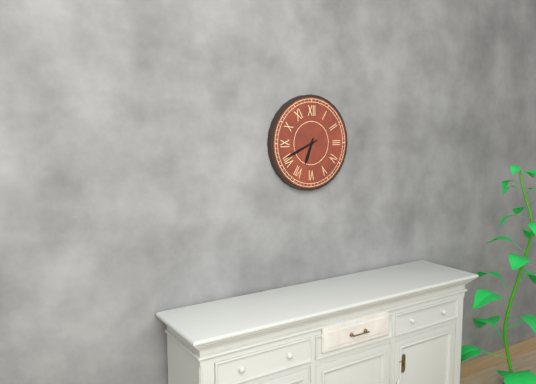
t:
6,41
